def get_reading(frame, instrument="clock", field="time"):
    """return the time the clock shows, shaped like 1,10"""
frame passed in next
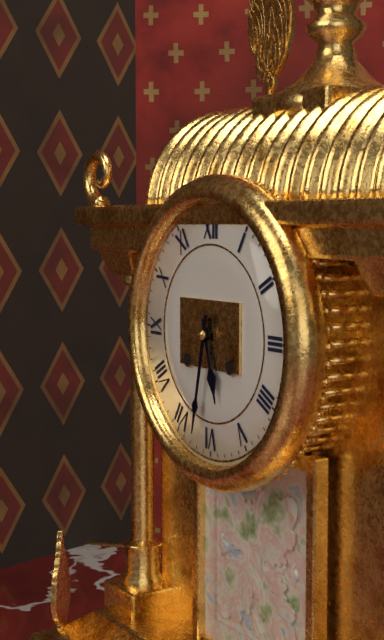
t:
5,32
